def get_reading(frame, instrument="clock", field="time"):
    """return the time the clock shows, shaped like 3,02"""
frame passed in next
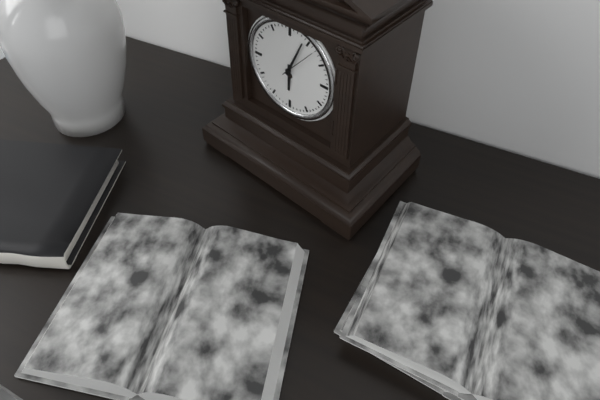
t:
6,04
